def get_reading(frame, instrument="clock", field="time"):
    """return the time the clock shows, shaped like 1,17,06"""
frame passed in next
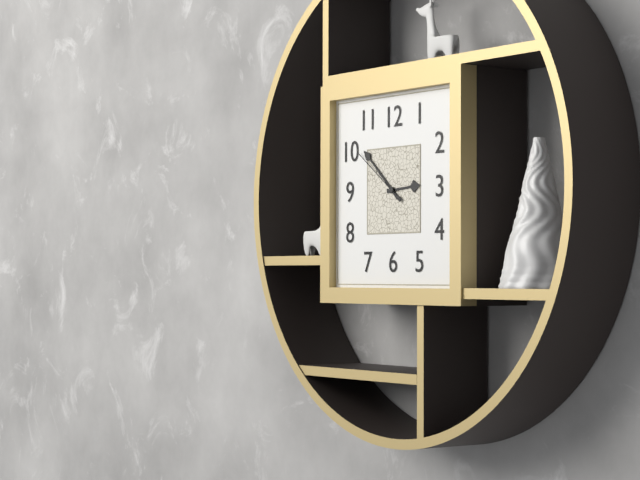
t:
2,52,51
